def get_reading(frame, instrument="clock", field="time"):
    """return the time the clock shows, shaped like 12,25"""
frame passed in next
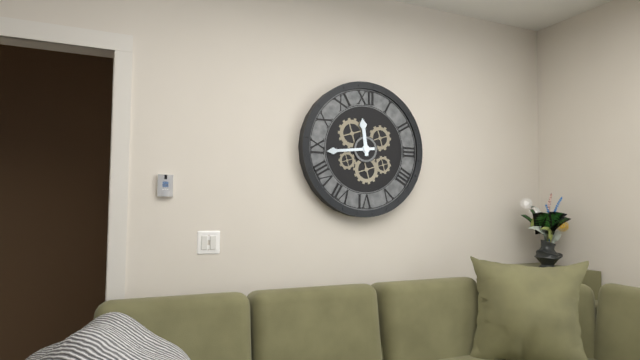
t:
11,44
